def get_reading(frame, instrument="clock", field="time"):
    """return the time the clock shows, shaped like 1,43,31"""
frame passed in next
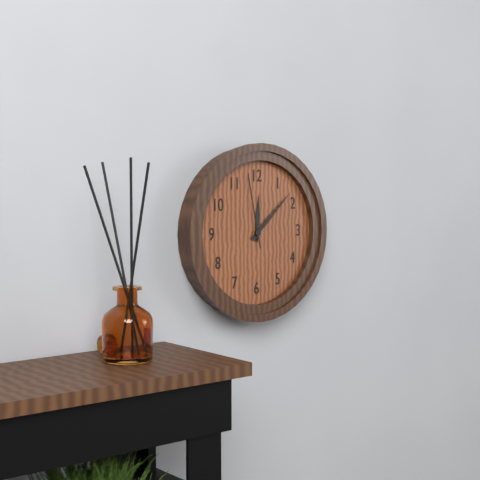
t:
12,08,58
